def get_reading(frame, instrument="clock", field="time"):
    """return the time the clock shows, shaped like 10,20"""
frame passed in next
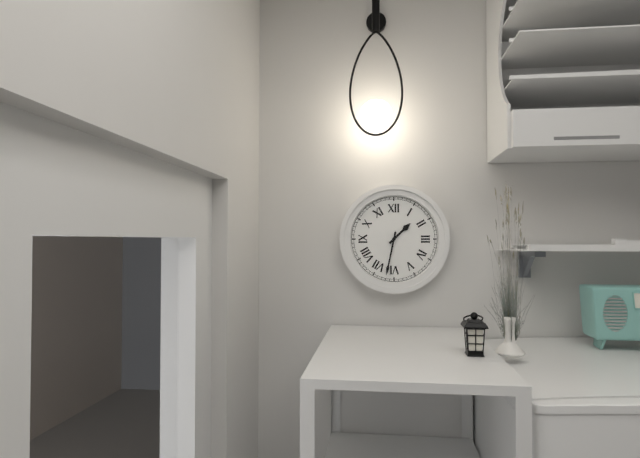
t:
1,32
